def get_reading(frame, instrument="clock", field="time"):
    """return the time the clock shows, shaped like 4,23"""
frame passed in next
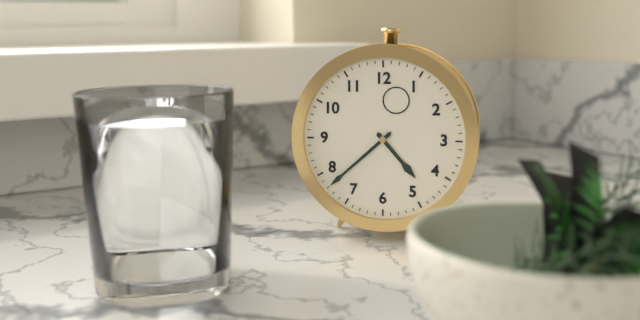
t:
4,38
